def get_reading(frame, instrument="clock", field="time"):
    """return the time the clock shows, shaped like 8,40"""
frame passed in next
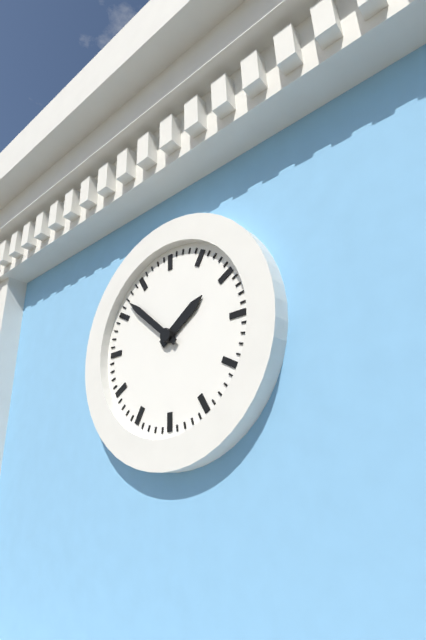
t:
1,52
